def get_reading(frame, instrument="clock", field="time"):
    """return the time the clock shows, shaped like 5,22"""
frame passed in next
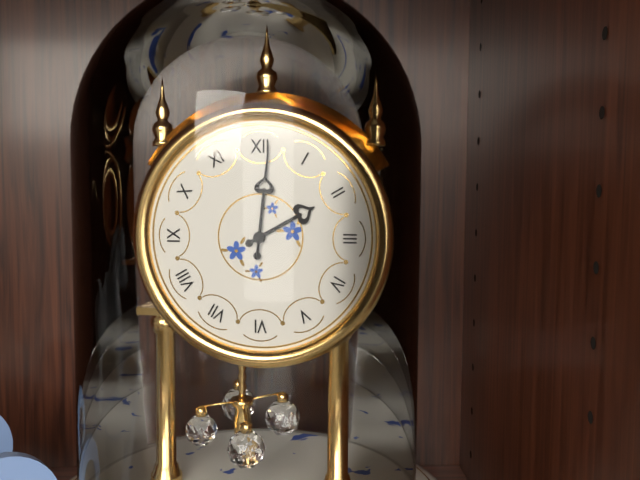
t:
2,01
